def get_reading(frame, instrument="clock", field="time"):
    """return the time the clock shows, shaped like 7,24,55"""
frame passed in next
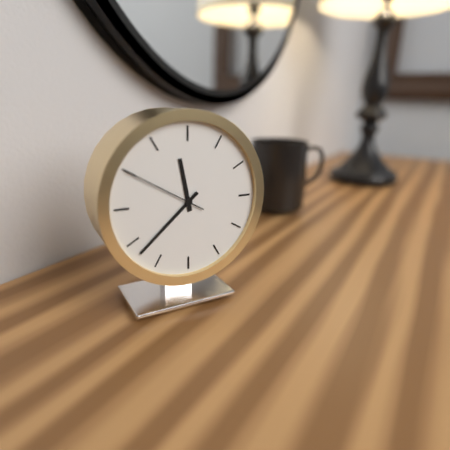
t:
11,38,50
